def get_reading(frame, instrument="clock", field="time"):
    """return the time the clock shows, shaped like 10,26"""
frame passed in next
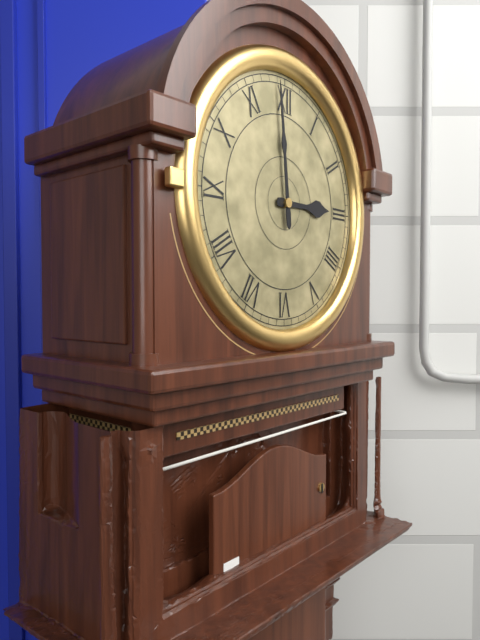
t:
2,59
